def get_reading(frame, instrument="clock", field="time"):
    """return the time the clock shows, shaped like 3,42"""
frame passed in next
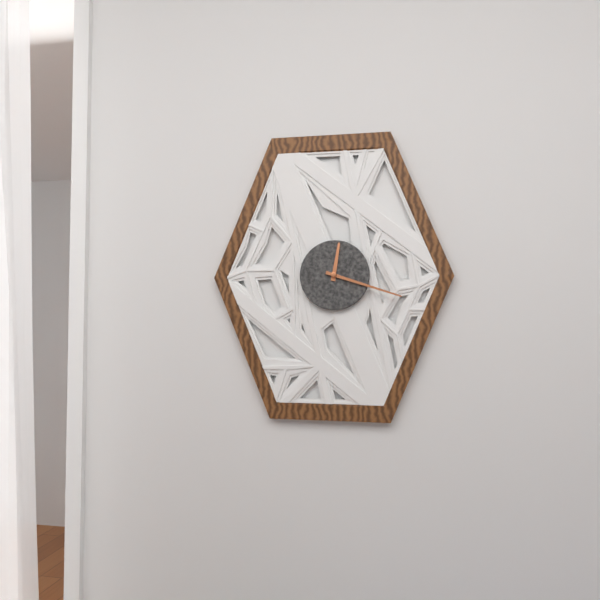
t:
12,18
